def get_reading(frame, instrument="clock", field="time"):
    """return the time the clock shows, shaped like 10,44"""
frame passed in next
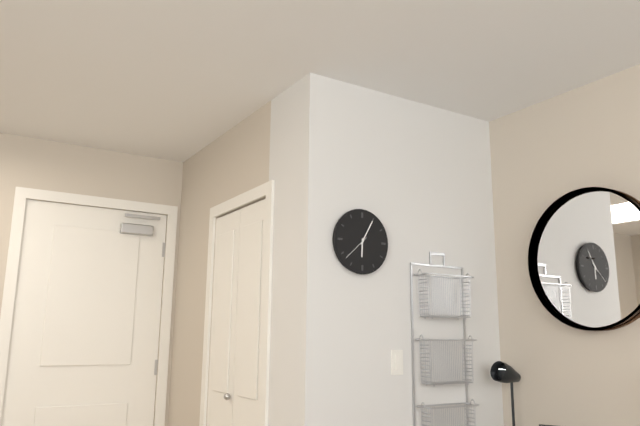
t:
6,05
